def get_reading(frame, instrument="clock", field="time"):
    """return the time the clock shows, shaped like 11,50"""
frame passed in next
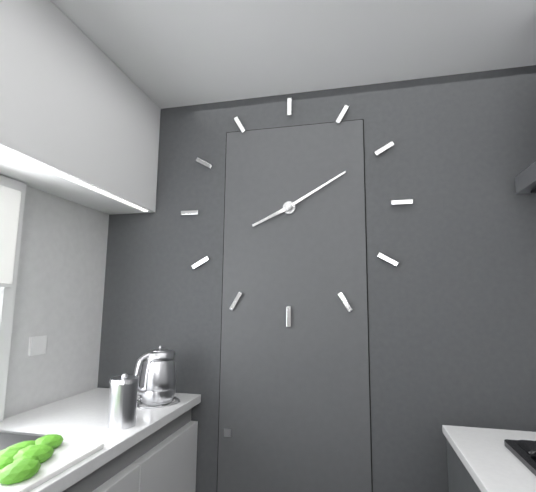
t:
8,10
